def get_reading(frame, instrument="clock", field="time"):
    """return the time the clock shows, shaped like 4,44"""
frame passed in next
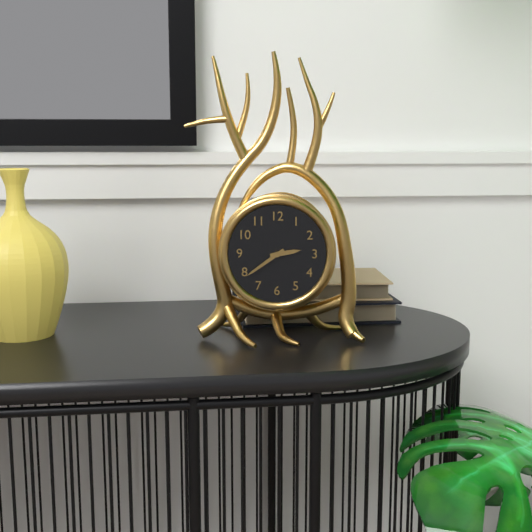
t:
2,39
